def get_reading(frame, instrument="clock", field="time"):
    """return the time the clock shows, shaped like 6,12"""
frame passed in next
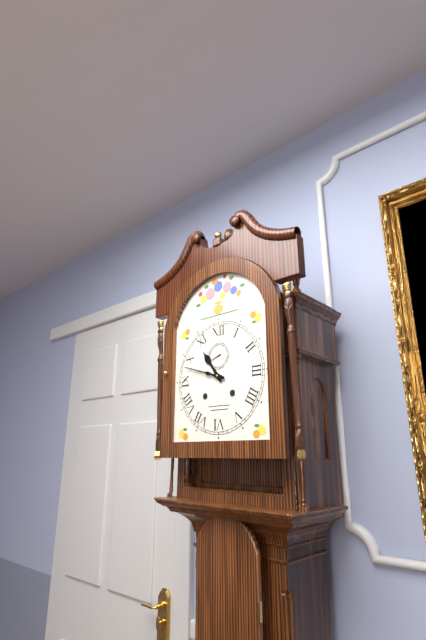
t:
10,48
